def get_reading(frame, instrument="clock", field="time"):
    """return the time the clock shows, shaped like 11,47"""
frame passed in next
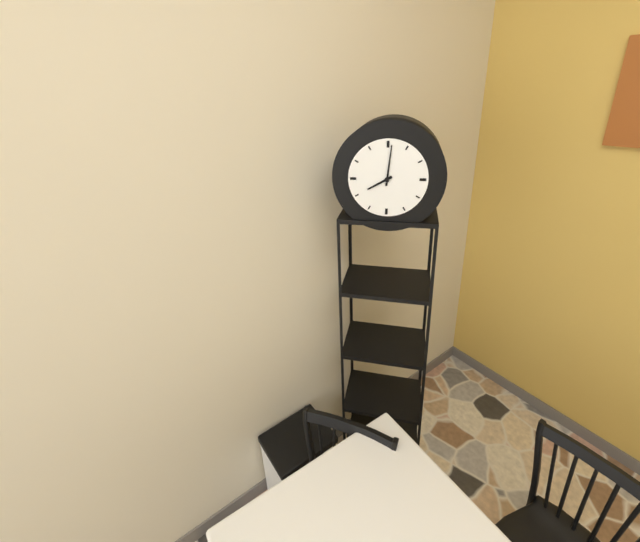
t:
8,01
